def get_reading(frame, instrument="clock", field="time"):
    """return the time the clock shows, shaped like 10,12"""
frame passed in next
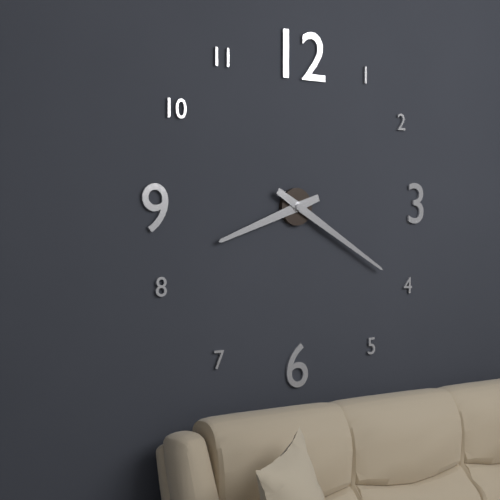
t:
8,20
